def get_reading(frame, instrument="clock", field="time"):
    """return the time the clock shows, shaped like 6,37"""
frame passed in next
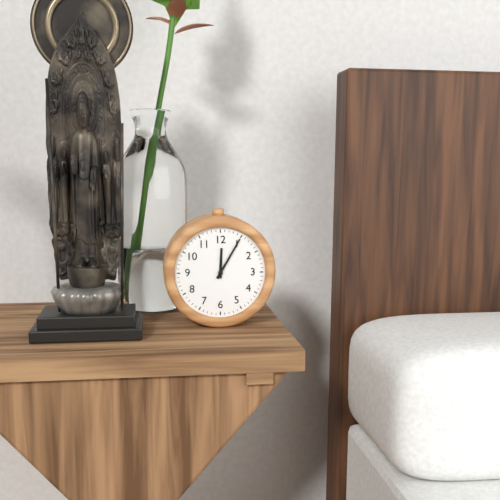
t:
12,05
